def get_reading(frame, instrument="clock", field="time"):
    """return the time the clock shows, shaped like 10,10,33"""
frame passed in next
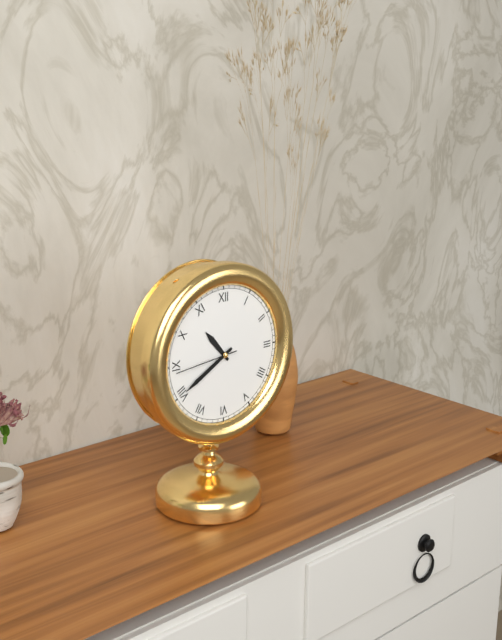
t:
10,40,44
